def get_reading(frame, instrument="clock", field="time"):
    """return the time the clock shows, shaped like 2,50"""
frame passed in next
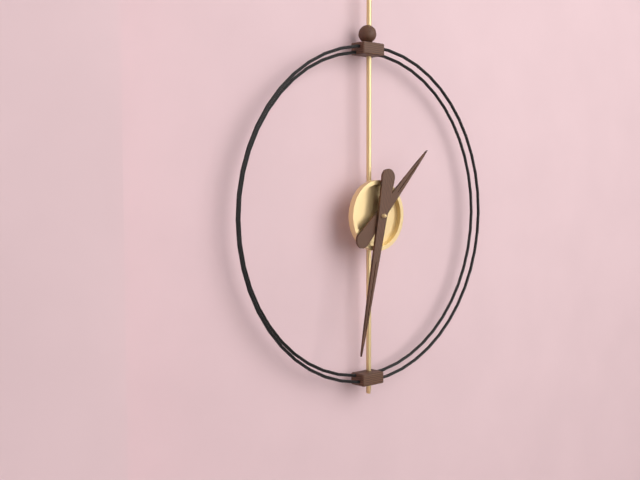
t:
1,32
